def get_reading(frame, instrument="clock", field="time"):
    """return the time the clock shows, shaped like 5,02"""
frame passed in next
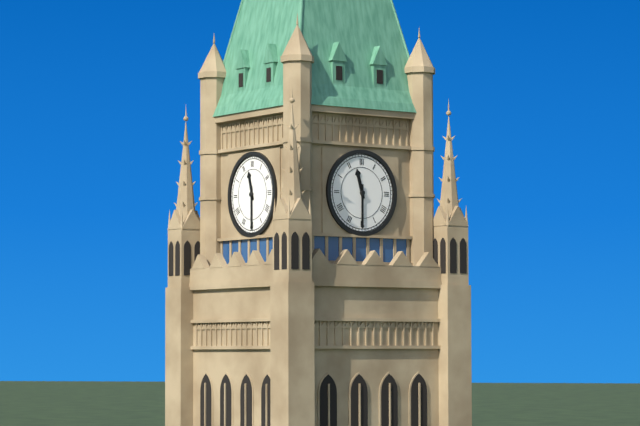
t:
11,30
